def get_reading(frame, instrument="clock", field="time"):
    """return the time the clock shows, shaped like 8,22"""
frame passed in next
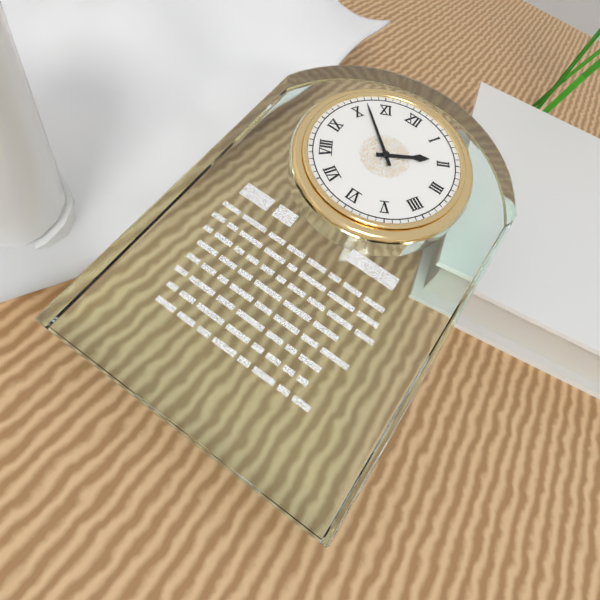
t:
1,52
